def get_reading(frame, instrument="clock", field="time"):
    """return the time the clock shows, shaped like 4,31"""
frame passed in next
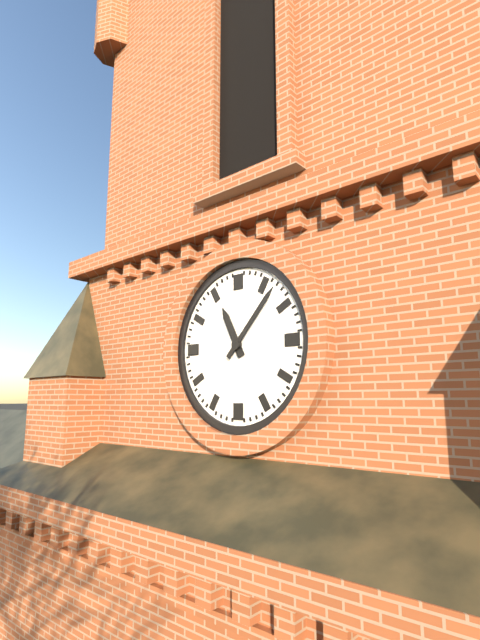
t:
11,07
